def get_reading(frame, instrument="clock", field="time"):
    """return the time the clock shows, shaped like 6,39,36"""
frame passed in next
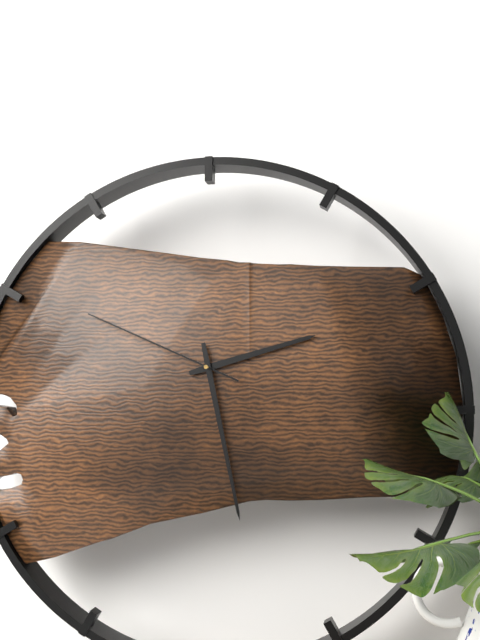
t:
2,28,49
